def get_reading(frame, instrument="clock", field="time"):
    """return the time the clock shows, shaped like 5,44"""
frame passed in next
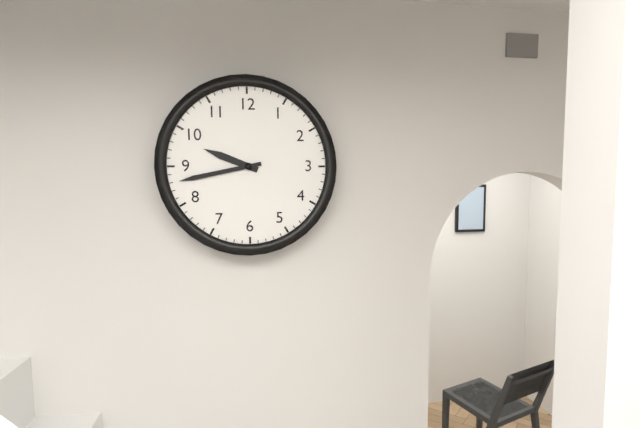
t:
9,43
